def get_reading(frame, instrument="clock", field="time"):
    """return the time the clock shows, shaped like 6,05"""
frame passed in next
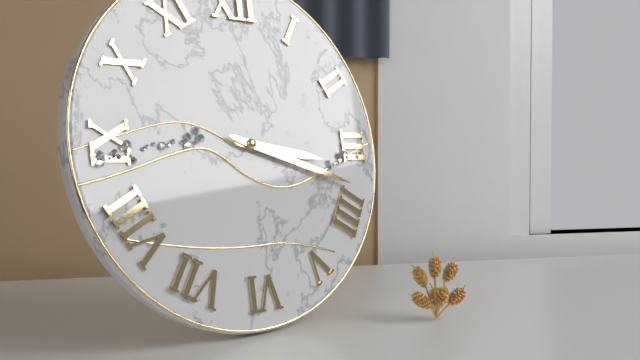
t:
3,18
